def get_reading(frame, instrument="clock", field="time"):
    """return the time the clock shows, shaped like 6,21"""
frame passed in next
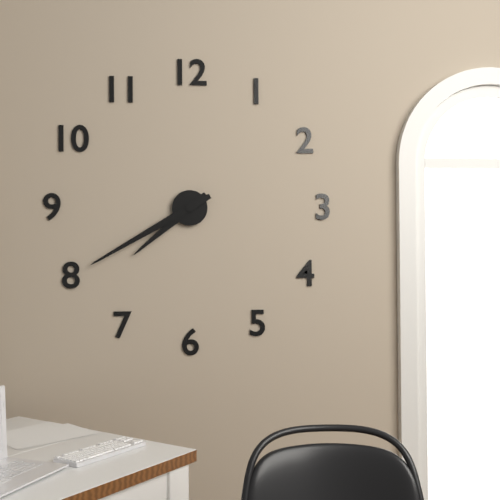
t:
7,40
